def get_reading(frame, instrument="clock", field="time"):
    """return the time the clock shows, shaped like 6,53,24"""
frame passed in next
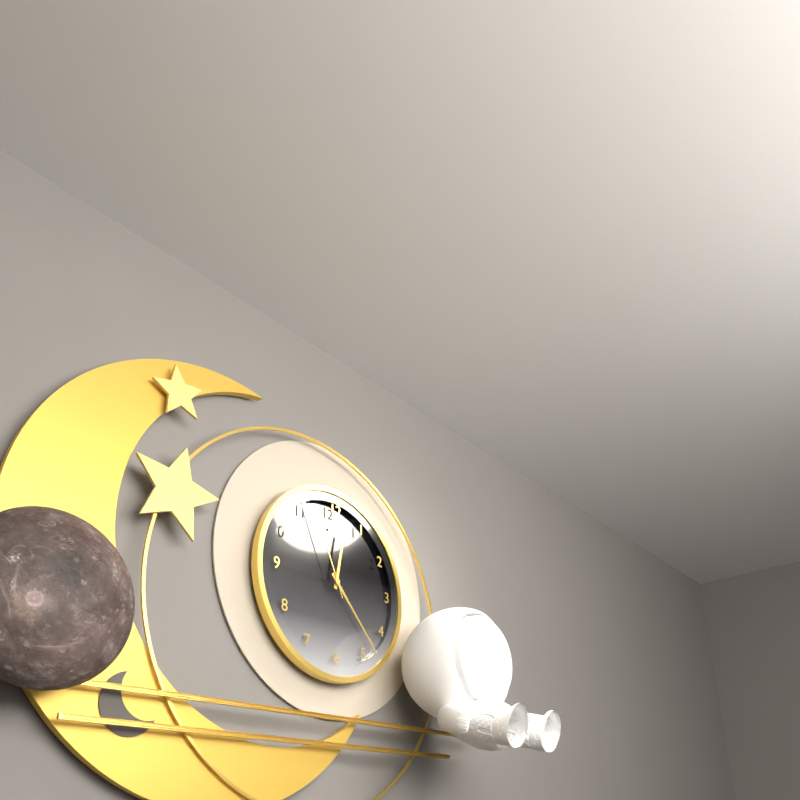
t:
12,23,56
